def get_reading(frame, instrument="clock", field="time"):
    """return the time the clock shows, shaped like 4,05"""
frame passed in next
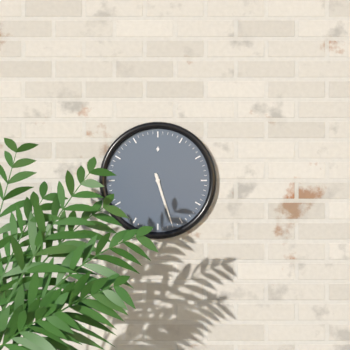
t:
5,27
